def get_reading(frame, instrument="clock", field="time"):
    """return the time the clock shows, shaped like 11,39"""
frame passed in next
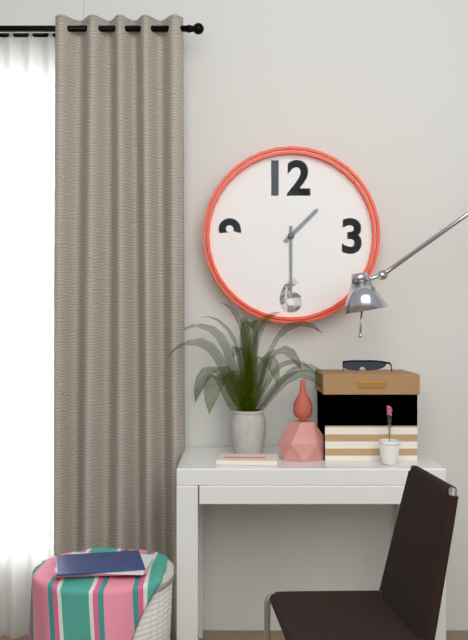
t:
1,30
